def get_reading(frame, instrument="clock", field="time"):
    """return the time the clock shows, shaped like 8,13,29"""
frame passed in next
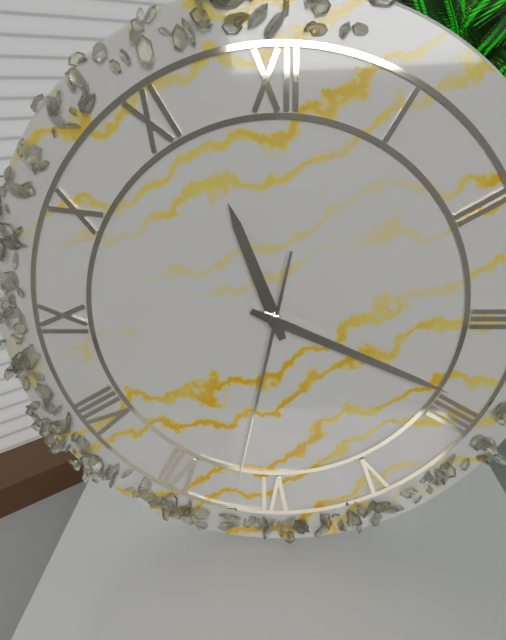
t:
11,19,32
